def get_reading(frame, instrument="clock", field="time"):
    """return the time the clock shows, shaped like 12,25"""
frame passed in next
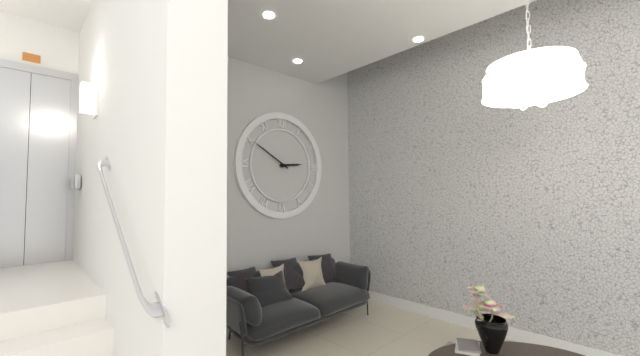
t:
2,50
